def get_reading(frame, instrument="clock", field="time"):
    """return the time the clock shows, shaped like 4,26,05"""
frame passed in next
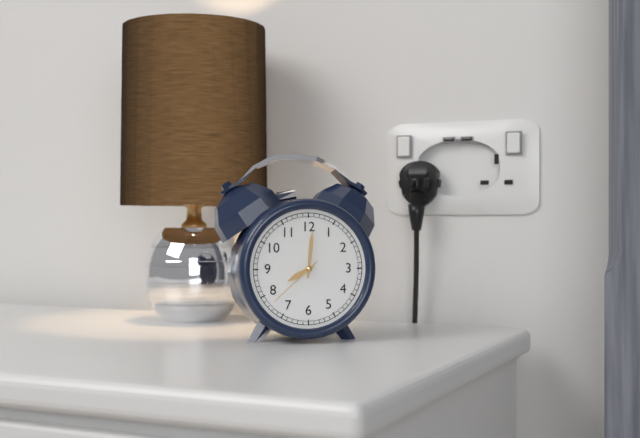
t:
8,01,38
